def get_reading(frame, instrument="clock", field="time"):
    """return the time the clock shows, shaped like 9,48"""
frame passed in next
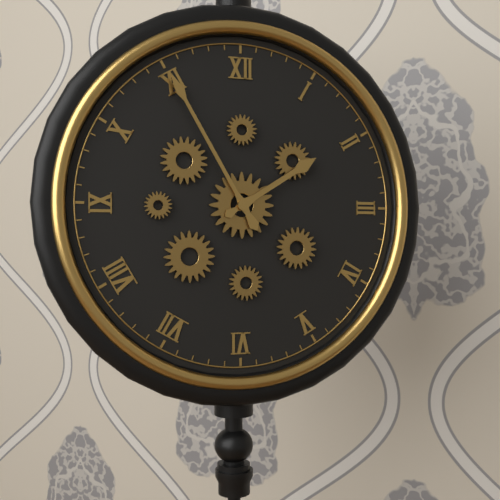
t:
1,55
